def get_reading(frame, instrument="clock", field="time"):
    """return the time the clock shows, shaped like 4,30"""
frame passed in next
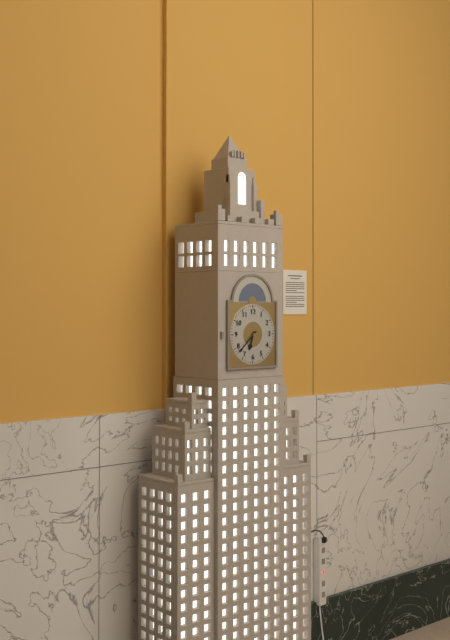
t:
6,38
